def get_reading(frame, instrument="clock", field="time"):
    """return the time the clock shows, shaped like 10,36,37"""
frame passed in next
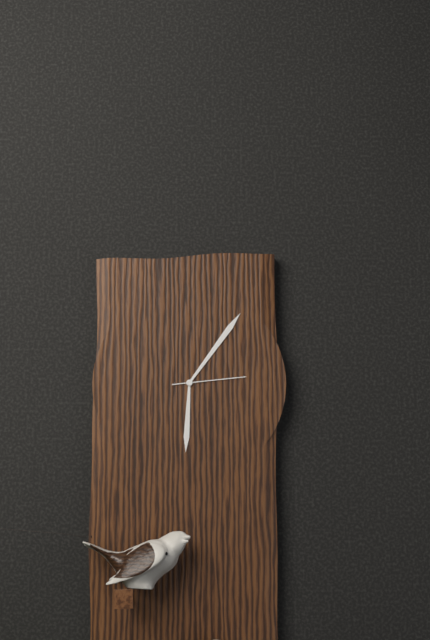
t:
6,06,14
